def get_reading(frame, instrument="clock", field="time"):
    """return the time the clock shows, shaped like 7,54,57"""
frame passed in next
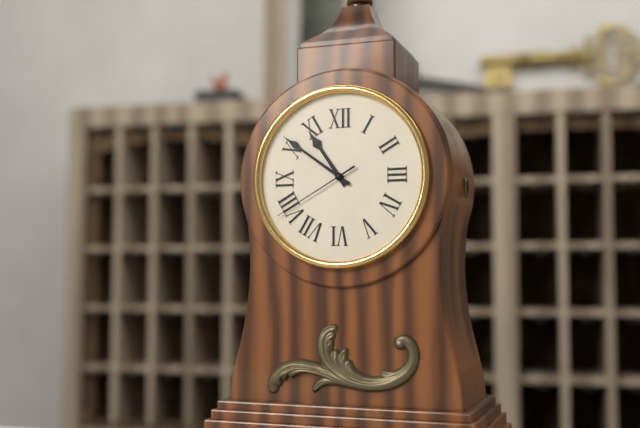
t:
10,51,40
